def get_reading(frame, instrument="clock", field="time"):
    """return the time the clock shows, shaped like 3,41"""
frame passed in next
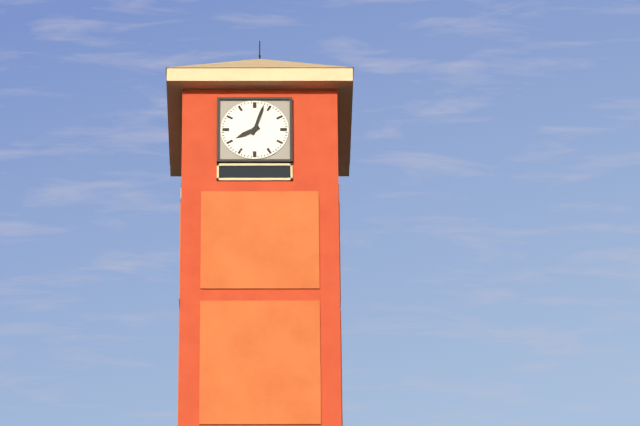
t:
8,03
